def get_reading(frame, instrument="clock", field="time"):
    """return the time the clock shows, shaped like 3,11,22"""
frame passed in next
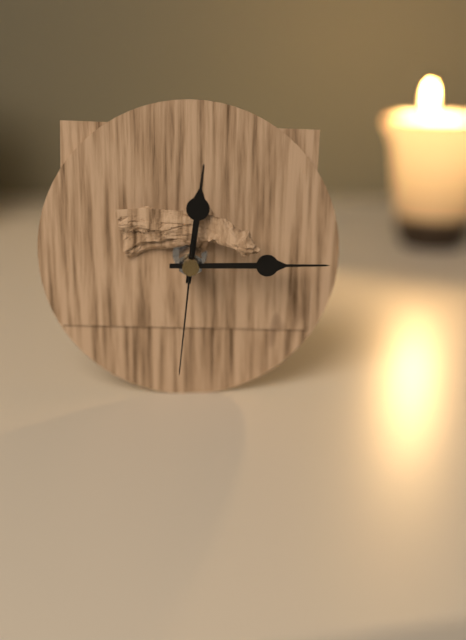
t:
12,15,31
